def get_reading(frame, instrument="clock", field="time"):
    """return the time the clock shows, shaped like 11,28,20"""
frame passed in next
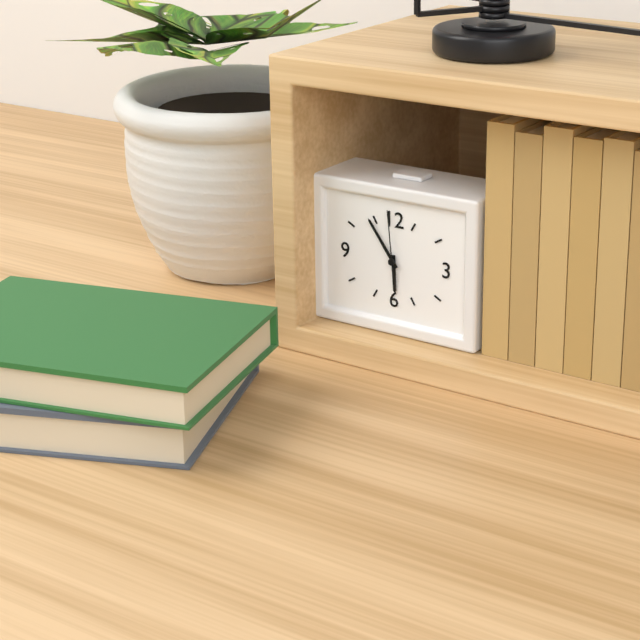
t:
5,54,59
